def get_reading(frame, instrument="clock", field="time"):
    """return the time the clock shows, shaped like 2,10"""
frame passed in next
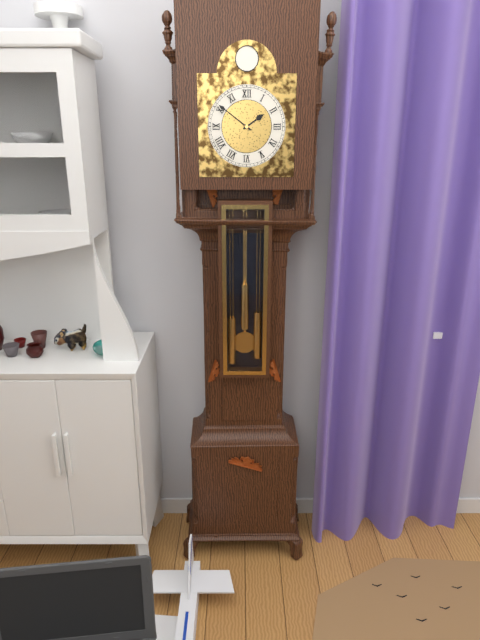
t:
1,51
